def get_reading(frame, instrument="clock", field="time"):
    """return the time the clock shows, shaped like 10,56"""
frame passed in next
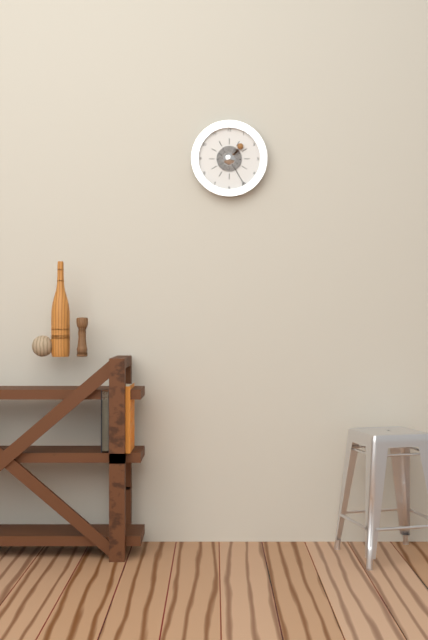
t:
1,25
